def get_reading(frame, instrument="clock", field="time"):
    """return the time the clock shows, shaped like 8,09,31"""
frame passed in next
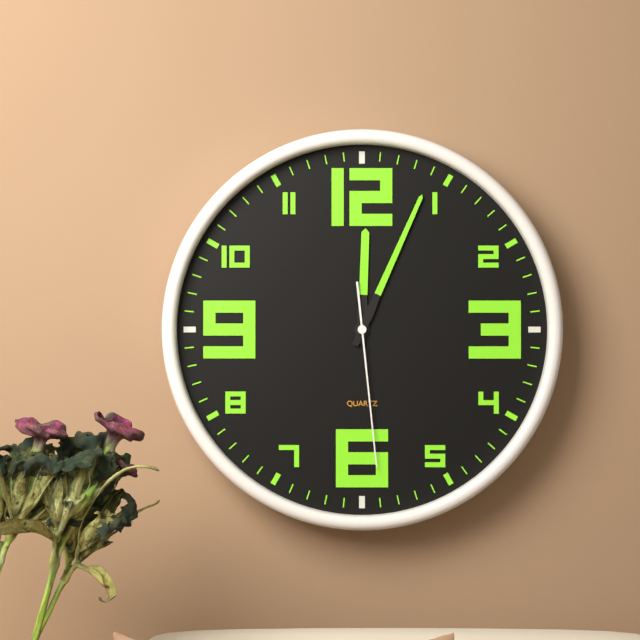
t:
12,04,29
